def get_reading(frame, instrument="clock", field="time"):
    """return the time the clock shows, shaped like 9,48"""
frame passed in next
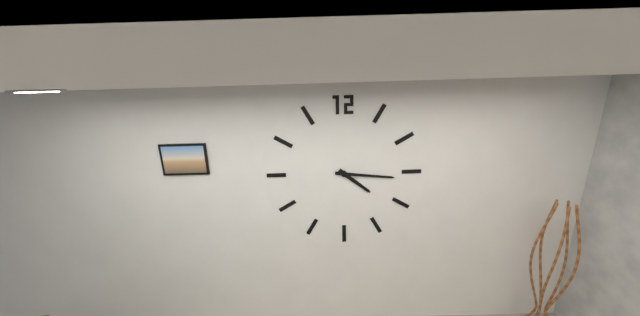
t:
4,16
